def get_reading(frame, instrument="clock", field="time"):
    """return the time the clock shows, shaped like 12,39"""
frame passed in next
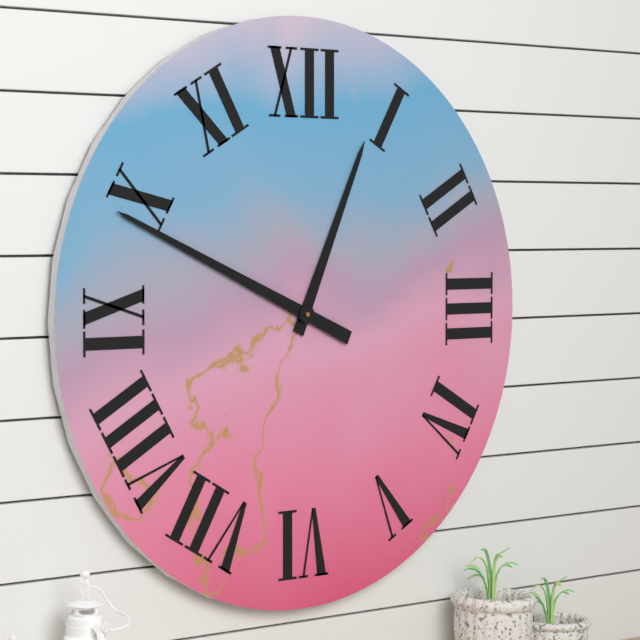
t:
12,49
